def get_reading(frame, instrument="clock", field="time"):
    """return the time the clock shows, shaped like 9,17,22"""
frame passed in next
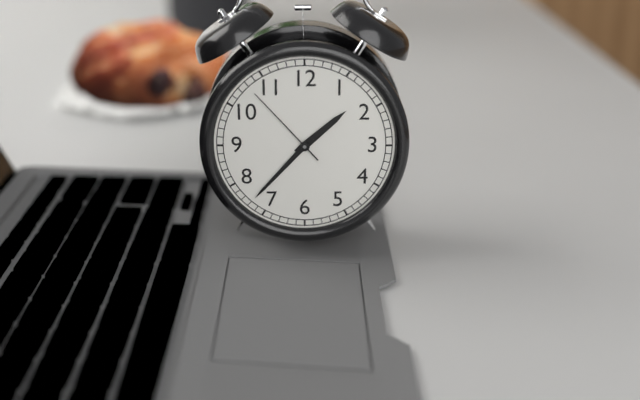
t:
1,37,53
